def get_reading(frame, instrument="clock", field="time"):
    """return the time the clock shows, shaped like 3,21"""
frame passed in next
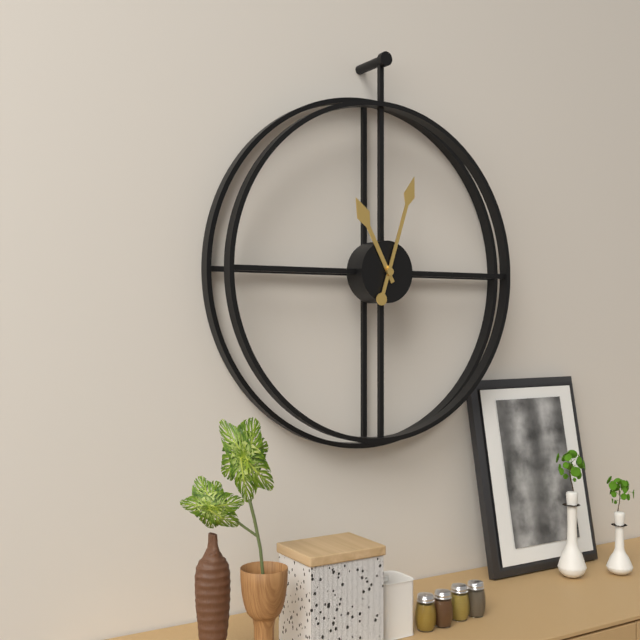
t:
11,03
